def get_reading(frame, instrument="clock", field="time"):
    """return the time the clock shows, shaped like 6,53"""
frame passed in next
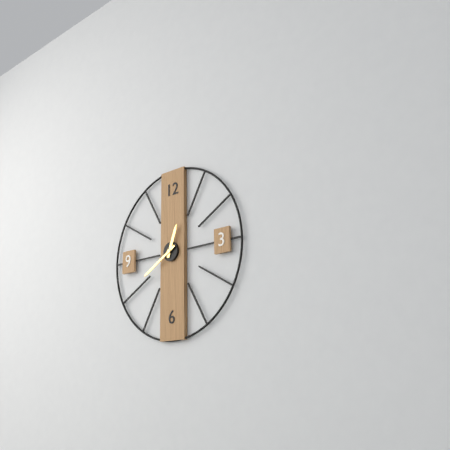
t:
12,40
